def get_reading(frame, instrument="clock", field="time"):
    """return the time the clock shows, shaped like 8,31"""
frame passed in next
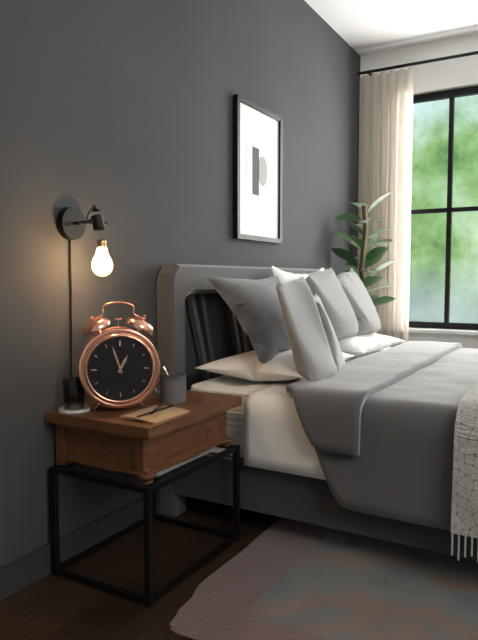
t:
12,57
